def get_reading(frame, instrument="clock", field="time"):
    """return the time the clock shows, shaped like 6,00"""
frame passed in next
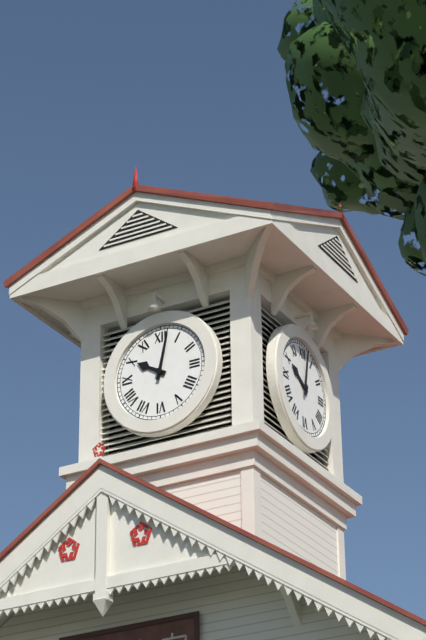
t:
10,02
